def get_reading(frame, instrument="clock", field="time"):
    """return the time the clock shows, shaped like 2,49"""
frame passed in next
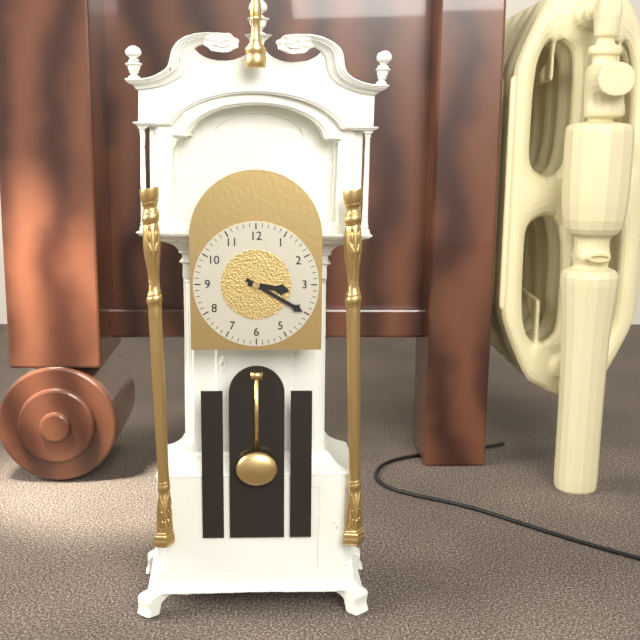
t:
3,20
